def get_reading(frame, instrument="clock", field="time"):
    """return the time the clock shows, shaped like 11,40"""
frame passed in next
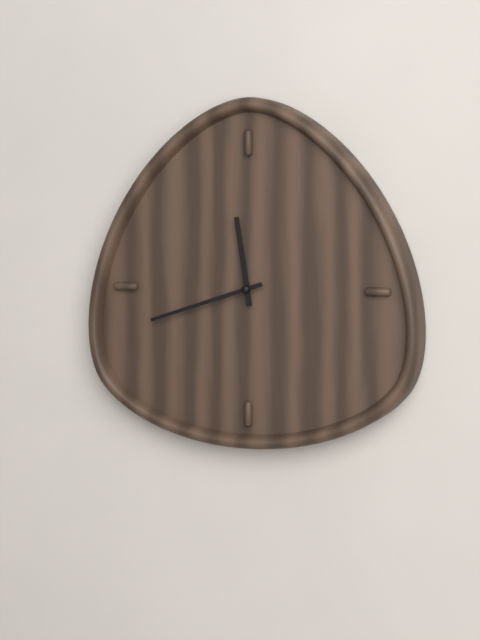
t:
11,42
